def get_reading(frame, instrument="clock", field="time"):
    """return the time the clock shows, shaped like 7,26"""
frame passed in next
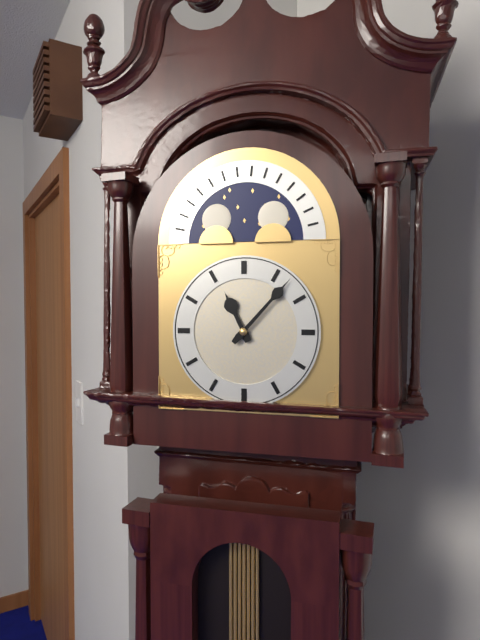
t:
11,07
